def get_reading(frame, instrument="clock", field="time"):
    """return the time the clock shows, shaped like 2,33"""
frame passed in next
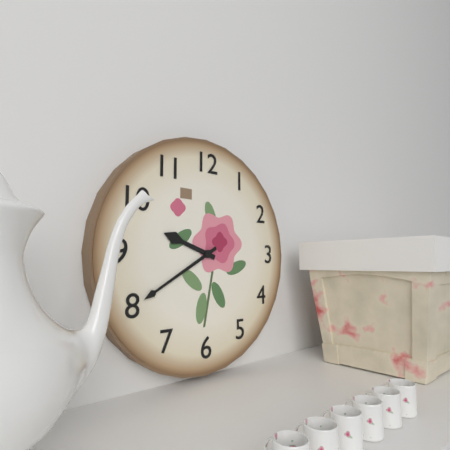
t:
9,40
